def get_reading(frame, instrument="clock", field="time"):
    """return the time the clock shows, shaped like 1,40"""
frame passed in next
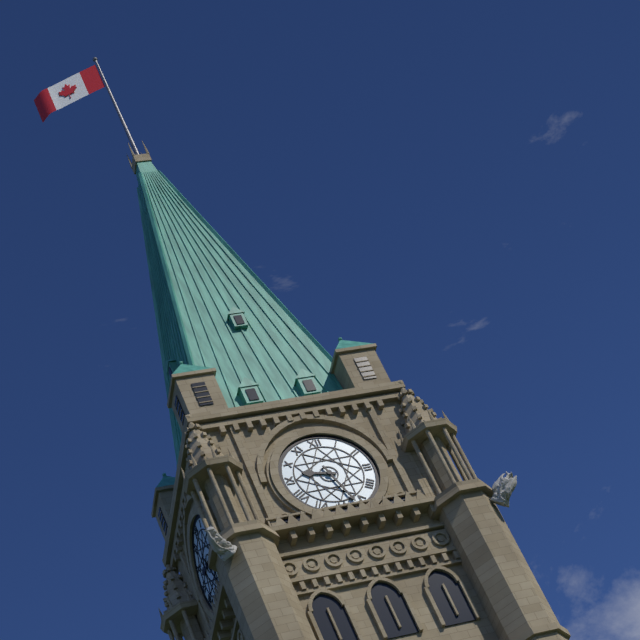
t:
9,27
